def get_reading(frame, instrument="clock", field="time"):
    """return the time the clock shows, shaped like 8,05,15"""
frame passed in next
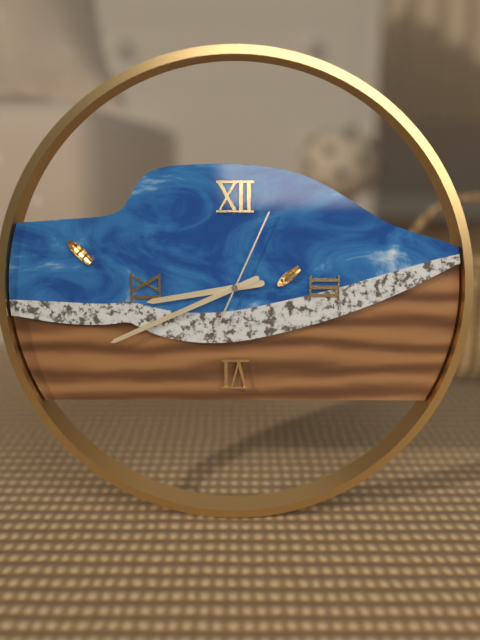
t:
8,41,04
